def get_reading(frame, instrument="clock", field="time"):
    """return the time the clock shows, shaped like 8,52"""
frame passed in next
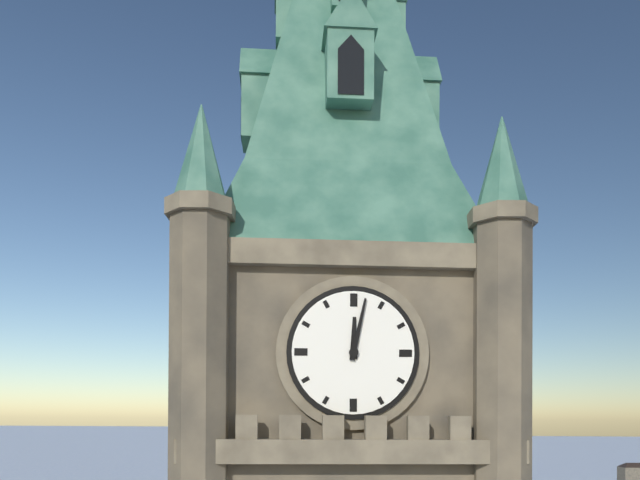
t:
12,02
